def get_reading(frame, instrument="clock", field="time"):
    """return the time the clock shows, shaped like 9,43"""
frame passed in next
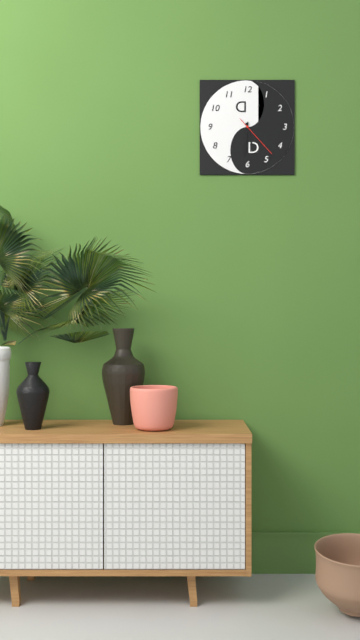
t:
5,31
